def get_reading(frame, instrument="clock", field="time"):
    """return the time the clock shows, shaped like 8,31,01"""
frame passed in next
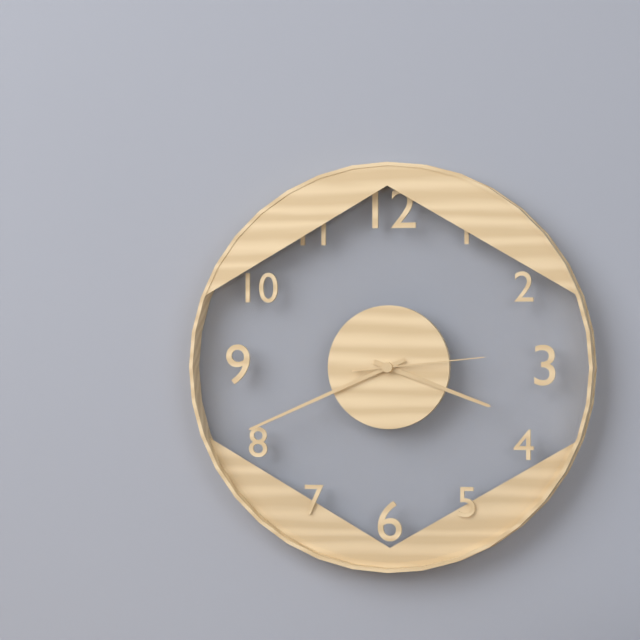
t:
3,41,14
